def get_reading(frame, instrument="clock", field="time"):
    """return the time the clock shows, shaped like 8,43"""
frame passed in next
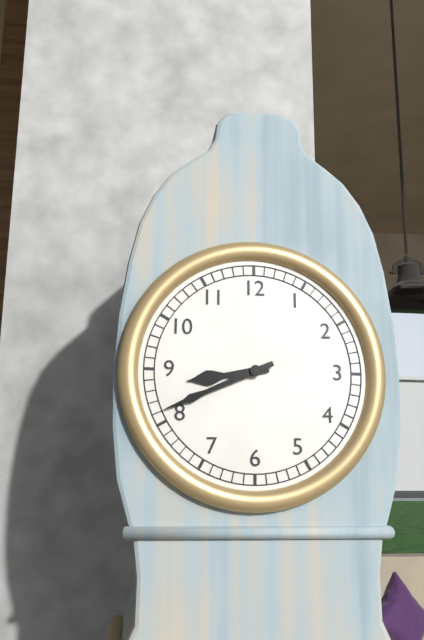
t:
8,41
